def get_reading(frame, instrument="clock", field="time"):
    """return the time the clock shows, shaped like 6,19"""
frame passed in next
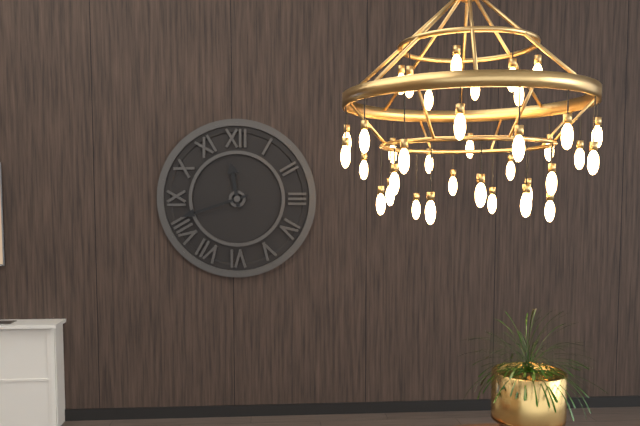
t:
11,42
